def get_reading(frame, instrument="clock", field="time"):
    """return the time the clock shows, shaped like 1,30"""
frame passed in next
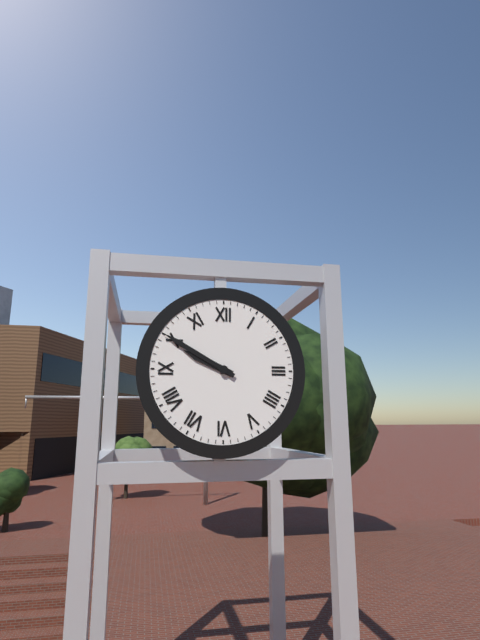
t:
9,50
